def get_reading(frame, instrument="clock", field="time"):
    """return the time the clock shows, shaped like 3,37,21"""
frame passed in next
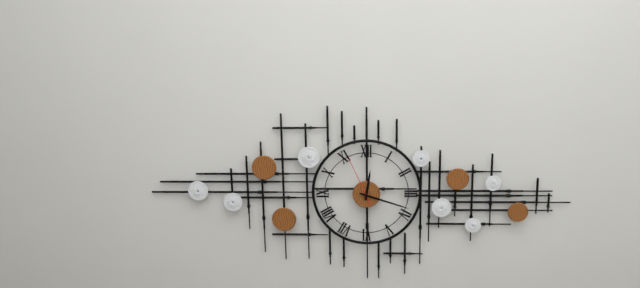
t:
12,18,56
